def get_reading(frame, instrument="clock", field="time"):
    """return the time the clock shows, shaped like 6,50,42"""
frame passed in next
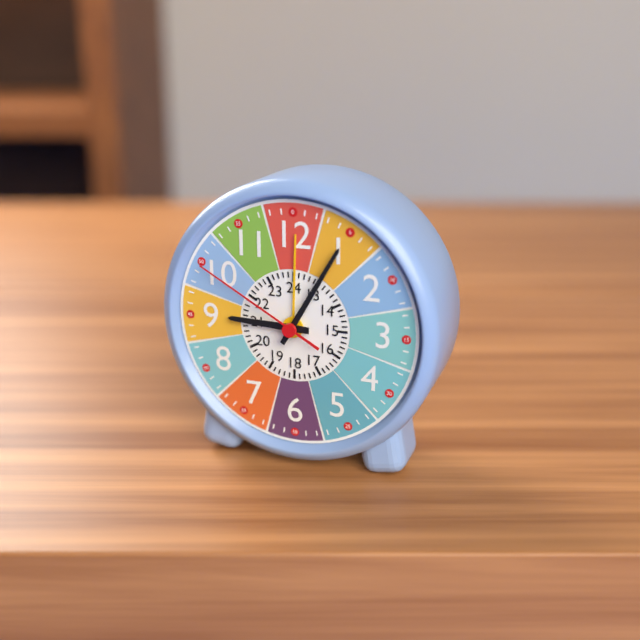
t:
9,05,50
